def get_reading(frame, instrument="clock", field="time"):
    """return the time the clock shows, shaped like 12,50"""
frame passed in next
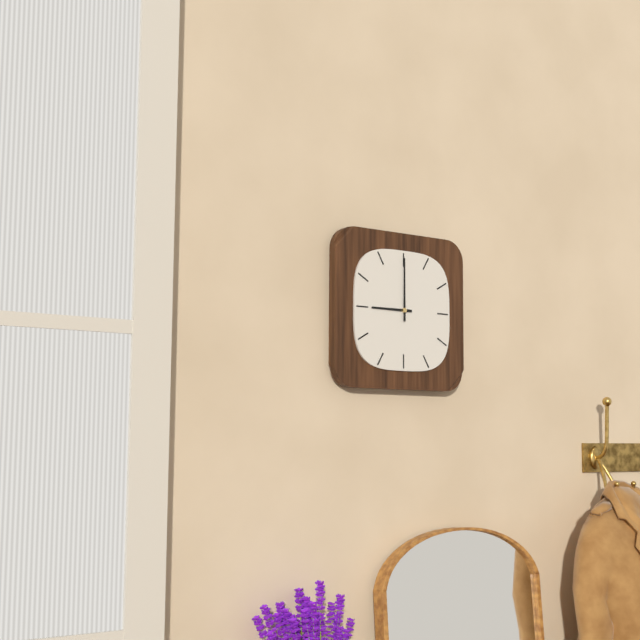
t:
9,00
